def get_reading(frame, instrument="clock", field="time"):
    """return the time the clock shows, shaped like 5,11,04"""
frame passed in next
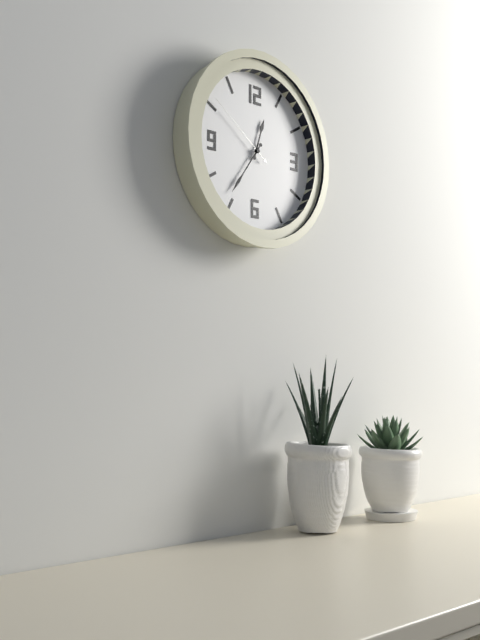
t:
12,36,51
